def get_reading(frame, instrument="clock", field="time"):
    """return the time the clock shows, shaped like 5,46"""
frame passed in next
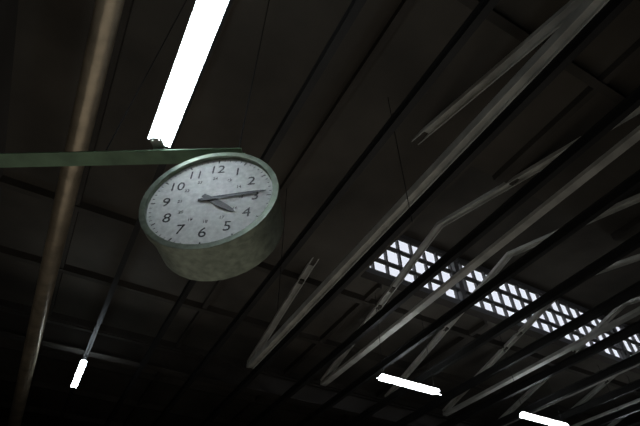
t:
4,14
